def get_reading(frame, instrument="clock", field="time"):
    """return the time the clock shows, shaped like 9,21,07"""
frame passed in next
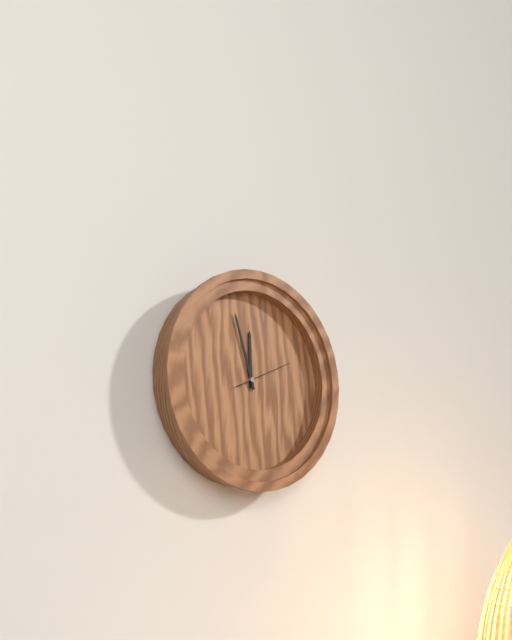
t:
11,57,11
